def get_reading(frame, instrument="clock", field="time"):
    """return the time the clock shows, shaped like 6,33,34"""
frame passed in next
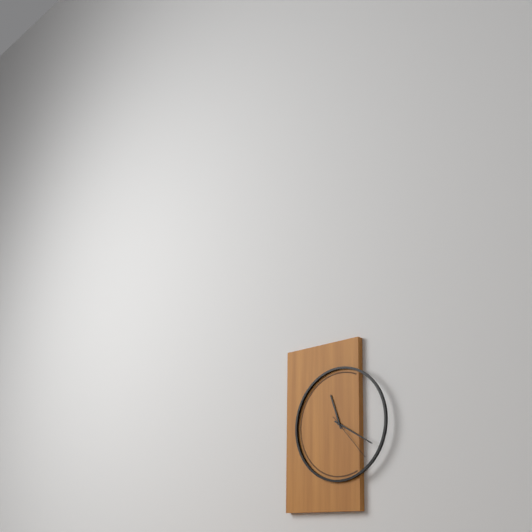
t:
11,20,23
